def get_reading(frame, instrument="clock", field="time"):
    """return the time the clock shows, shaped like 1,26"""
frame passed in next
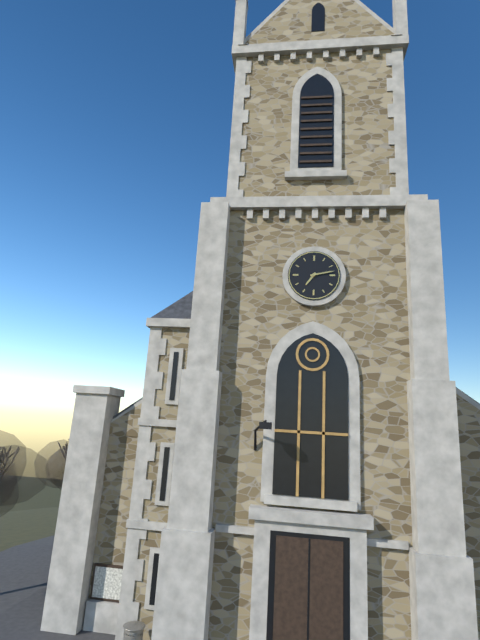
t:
7,13
